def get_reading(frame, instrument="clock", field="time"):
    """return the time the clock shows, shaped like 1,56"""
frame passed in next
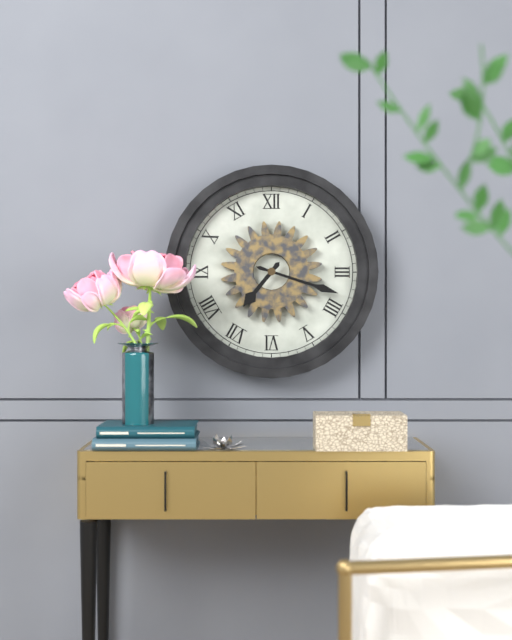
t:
7,18
